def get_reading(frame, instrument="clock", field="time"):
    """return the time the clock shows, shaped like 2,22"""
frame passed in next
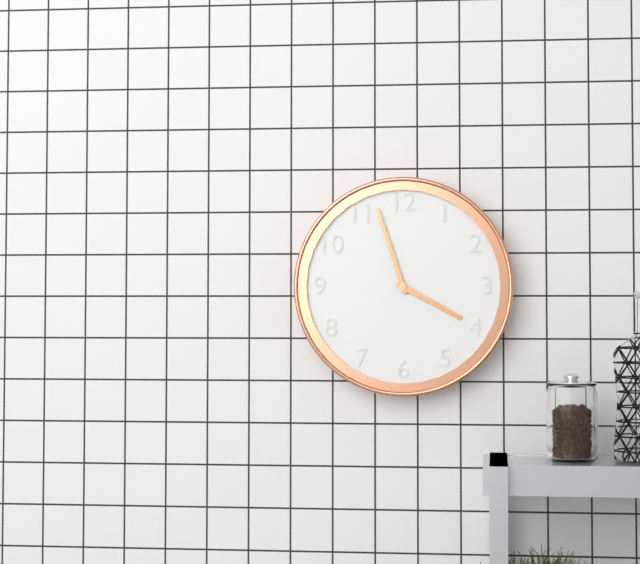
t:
3,57
